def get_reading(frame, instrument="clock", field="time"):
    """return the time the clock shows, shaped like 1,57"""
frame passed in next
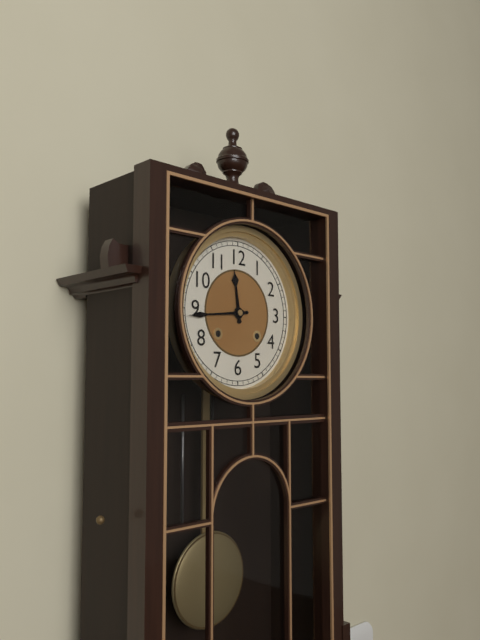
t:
11,44
